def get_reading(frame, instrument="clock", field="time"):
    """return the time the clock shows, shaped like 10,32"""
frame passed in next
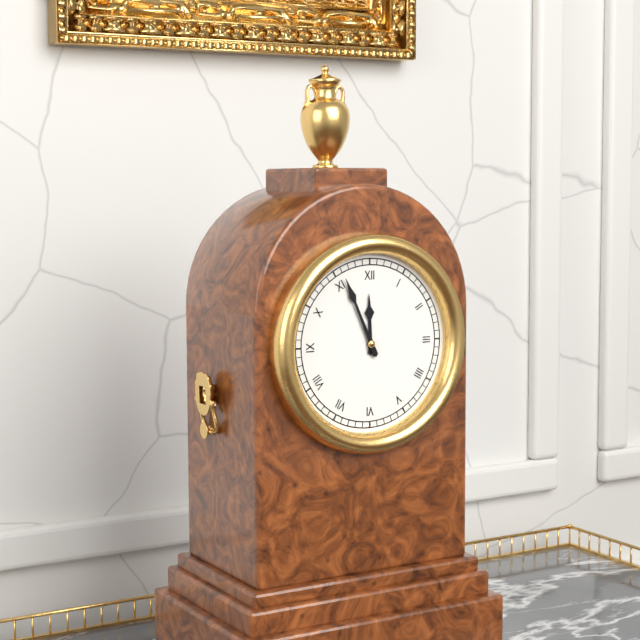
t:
11,56
